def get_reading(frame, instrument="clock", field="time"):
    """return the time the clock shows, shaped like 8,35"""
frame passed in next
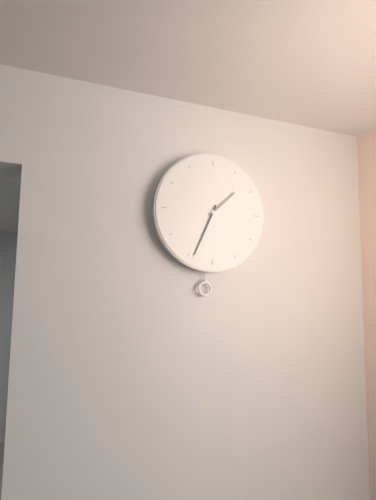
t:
1,34
